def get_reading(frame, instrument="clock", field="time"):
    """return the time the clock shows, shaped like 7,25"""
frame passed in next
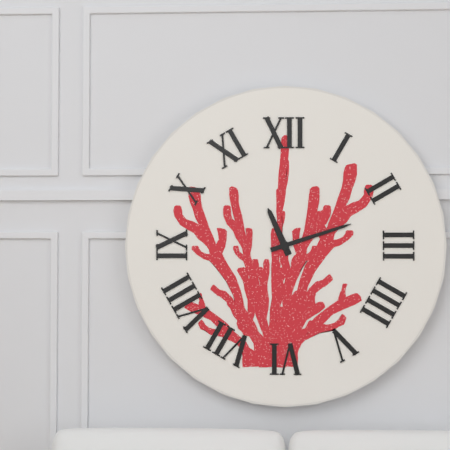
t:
11,12
